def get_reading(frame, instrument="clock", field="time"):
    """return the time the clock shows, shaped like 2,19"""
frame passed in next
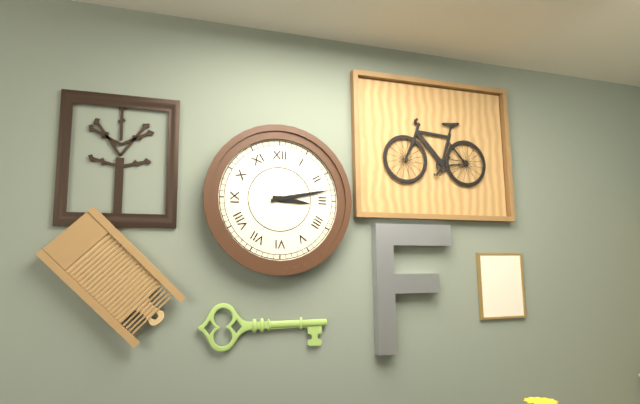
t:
3,13
